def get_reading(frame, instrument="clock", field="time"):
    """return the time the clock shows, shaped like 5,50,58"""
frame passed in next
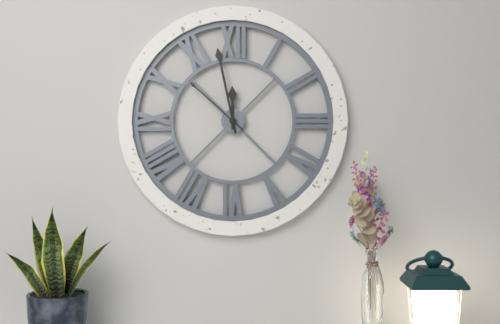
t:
11,58,52
